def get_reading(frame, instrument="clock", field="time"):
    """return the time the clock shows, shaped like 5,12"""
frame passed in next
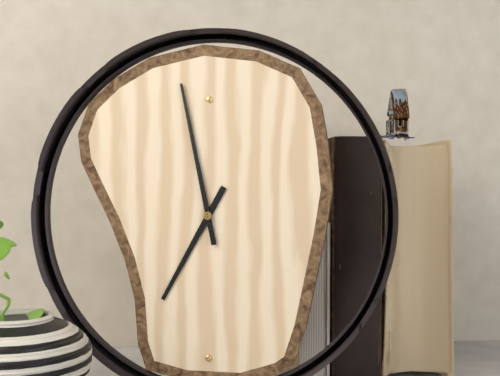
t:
6,58
